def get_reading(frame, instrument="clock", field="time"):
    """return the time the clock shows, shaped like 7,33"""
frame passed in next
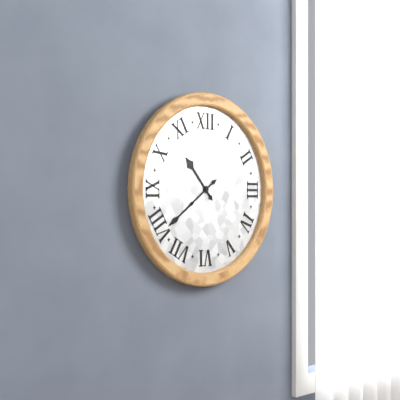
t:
10,39
